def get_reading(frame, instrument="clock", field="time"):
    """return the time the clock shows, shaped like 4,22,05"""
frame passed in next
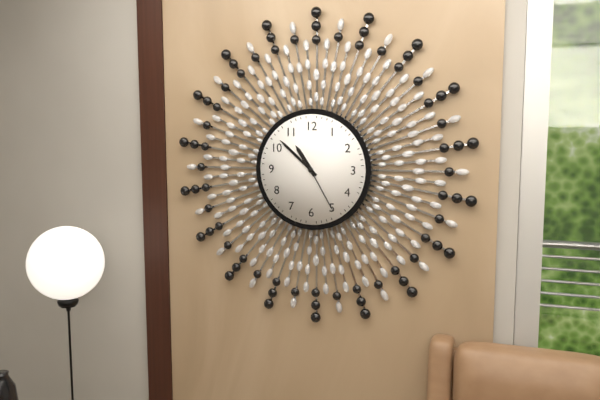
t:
10,52,25
